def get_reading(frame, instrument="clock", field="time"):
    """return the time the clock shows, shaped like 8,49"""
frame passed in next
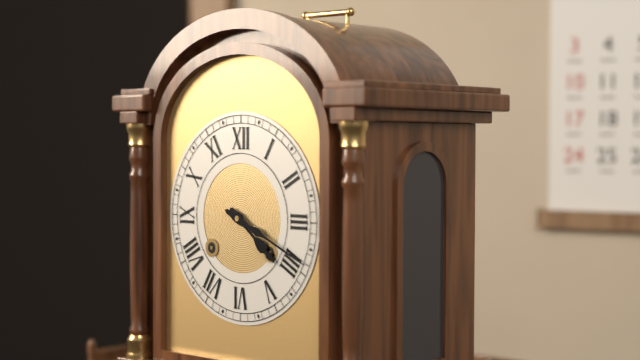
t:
4,19
